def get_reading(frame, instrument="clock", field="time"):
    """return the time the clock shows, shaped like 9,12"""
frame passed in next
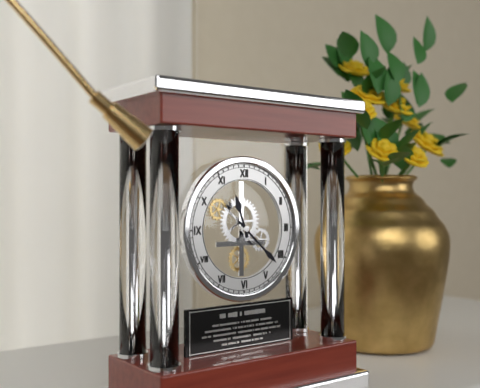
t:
11,22
